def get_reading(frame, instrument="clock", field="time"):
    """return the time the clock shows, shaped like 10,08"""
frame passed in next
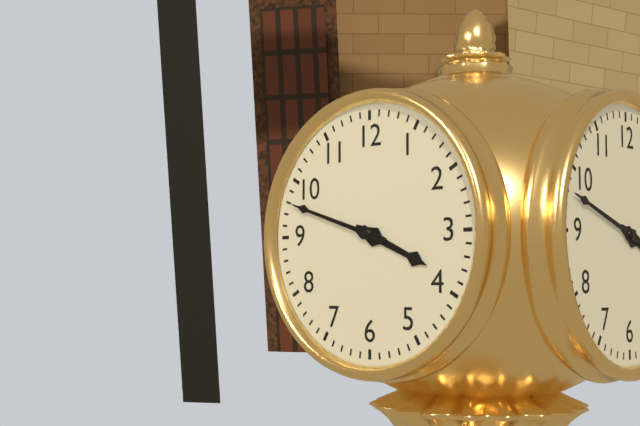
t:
3,48
